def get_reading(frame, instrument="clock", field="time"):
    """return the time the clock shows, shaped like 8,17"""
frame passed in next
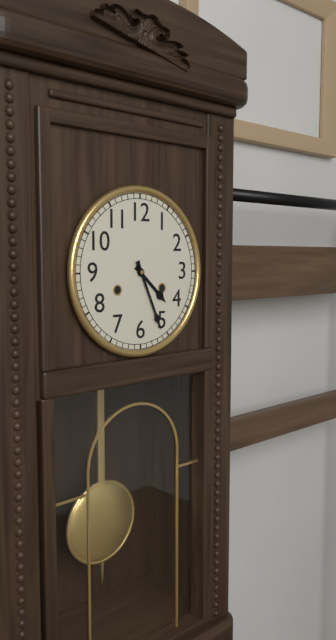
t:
4,26
